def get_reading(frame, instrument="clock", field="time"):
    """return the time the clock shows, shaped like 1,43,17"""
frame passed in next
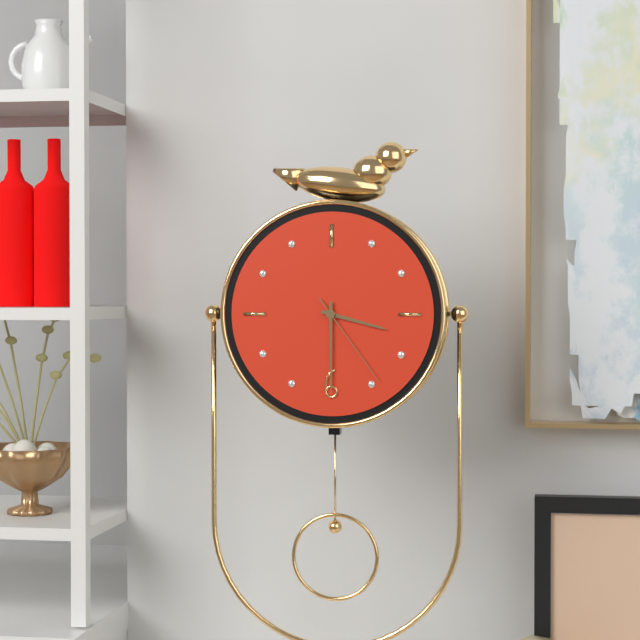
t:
3,30,24
